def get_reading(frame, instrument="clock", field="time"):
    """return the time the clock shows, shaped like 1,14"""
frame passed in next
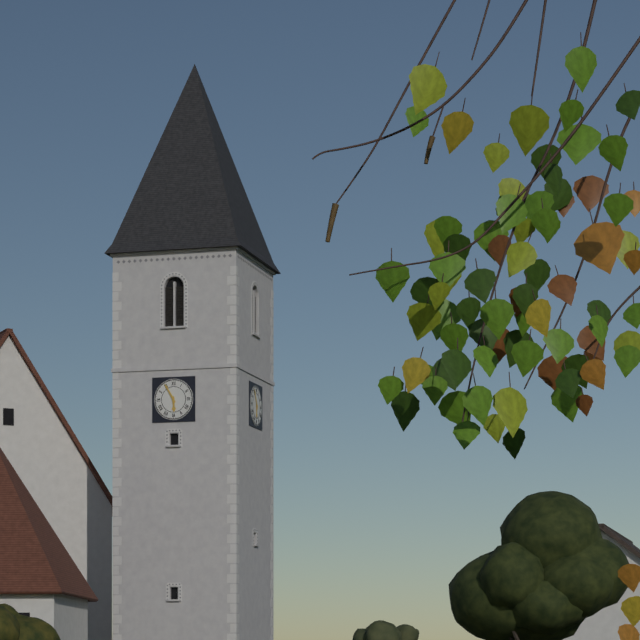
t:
5,55
